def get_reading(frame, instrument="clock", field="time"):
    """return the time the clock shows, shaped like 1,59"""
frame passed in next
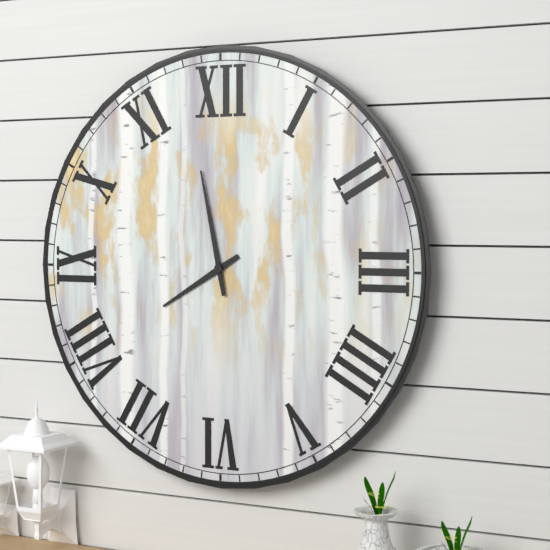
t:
7,58
